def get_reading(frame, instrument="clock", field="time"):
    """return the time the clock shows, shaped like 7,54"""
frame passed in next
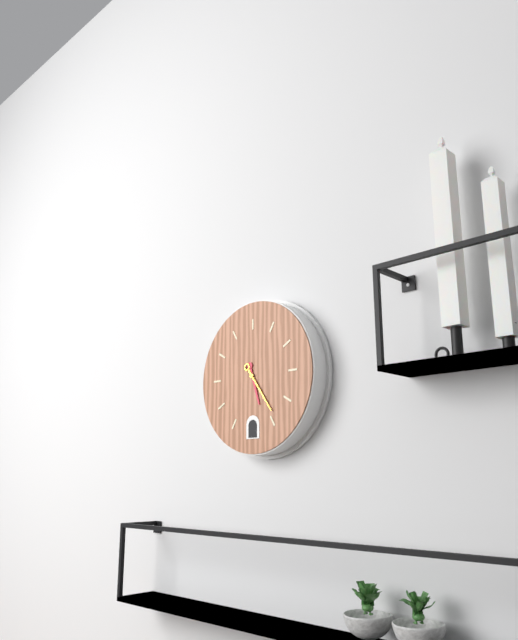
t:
5,24
